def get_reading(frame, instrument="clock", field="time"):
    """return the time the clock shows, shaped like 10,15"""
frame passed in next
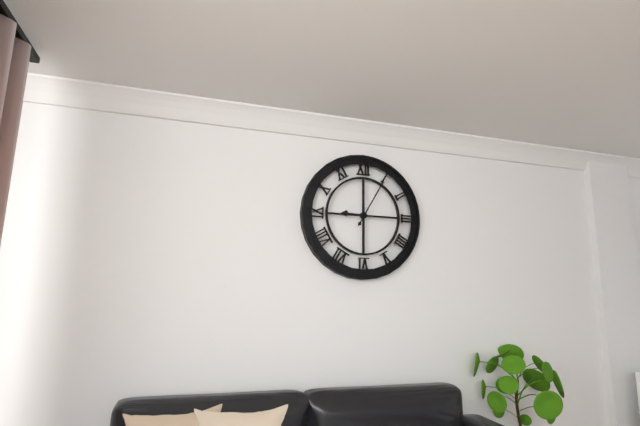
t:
9,05
